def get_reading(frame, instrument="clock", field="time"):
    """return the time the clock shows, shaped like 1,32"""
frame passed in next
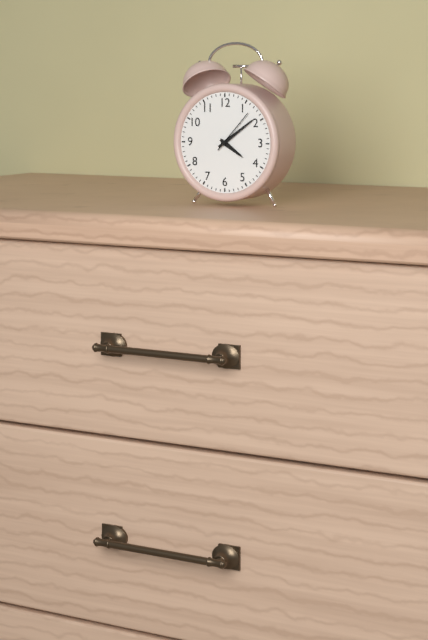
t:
4,09
